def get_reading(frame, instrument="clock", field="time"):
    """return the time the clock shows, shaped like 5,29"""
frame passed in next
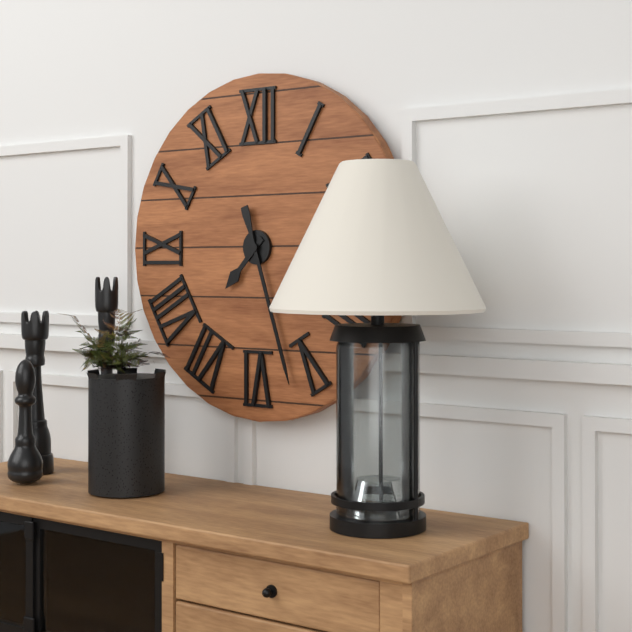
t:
7,27
